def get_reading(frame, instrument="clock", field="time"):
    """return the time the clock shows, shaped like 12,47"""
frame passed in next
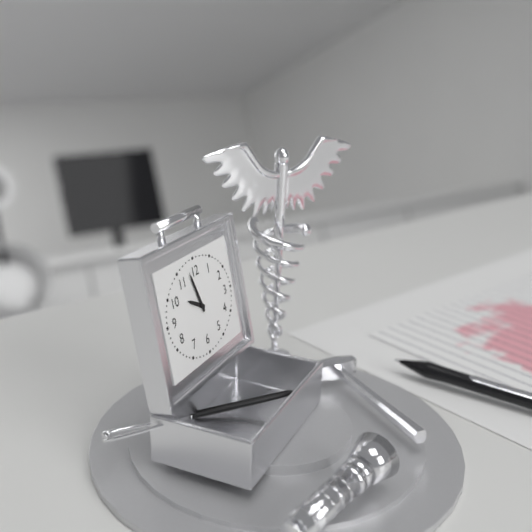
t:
9,57
